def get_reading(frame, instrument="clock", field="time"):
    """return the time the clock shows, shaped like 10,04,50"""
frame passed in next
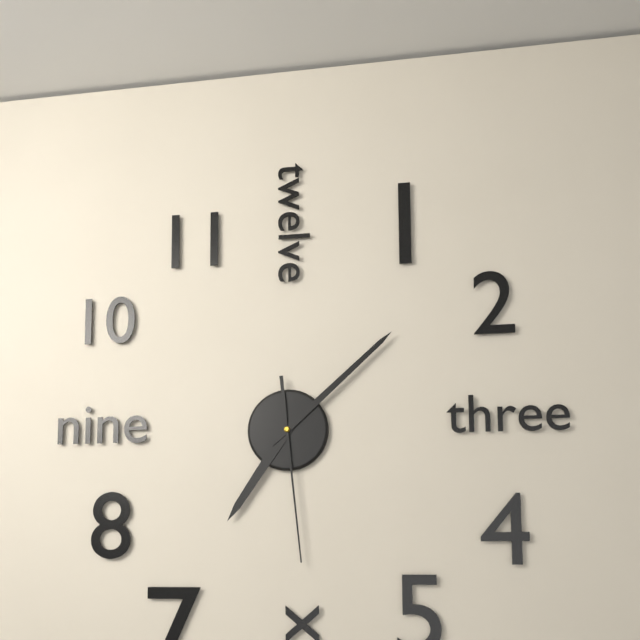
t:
7,08,29
